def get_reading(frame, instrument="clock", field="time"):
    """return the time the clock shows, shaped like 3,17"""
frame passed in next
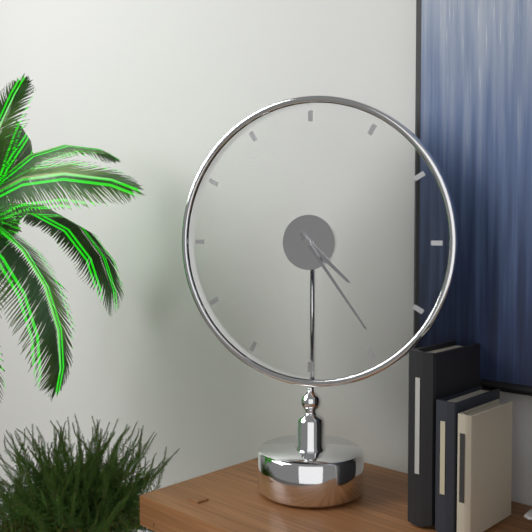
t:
4,24
